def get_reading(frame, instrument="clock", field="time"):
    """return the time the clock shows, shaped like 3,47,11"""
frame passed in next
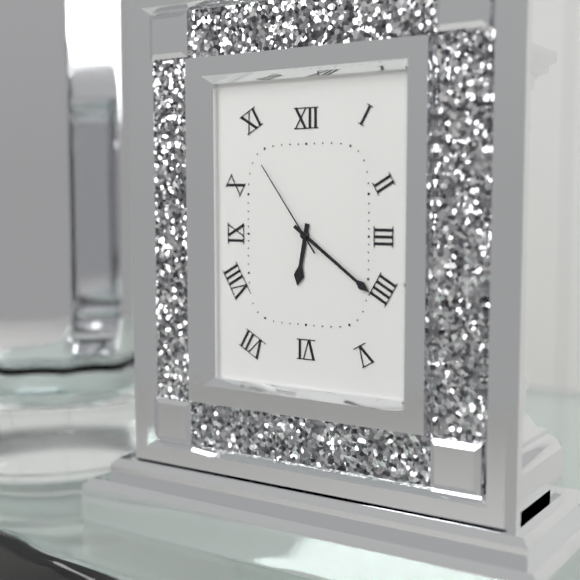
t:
6,21,54
